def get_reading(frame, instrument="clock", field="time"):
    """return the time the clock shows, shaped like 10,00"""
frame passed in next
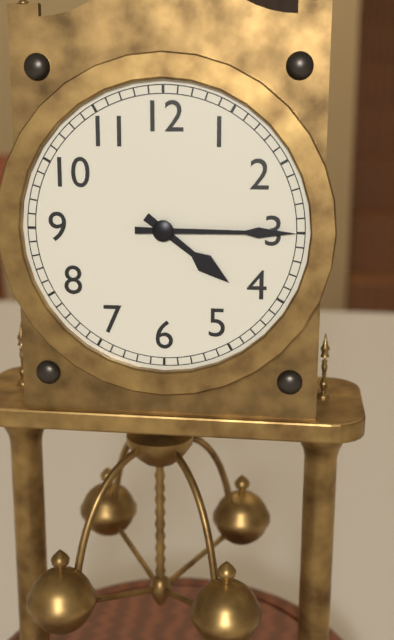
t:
4,15
